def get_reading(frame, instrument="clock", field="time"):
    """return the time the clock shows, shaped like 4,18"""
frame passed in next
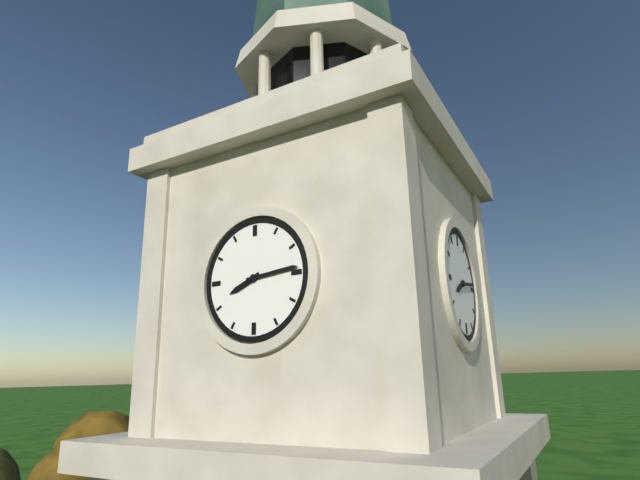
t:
8,14
